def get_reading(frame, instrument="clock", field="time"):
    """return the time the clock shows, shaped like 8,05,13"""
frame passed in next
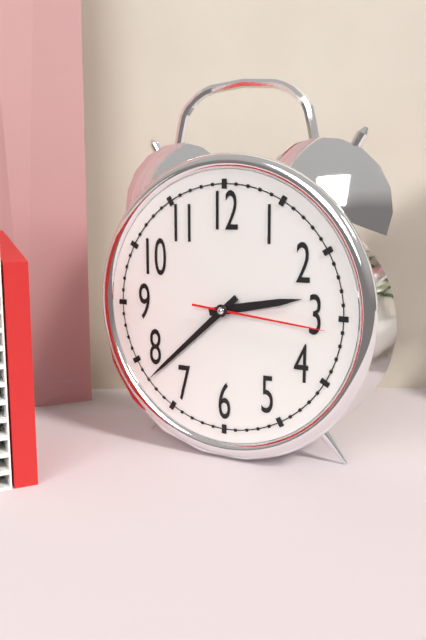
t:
2,38,16
